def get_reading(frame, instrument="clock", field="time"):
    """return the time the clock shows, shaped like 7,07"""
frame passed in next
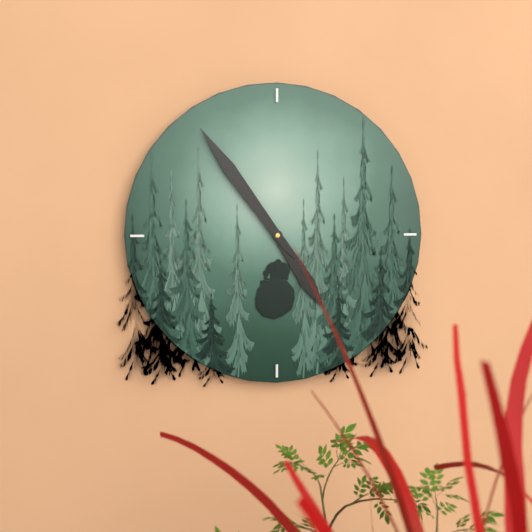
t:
4,54
